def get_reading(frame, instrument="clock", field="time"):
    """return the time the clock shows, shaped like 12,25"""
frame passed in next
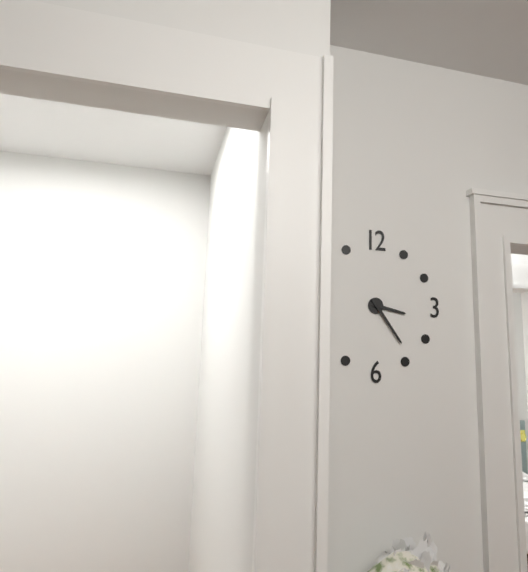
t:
3,24
